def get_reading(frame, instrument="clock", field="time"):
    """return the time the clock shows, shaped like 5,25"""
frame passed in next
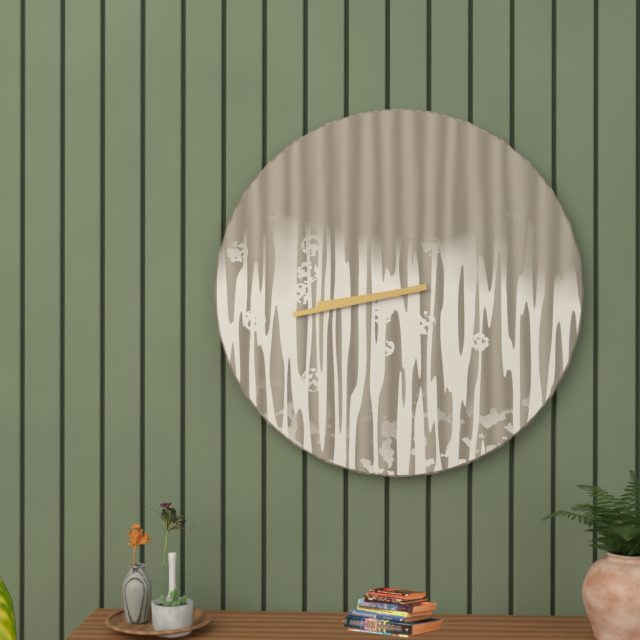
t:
8,43
